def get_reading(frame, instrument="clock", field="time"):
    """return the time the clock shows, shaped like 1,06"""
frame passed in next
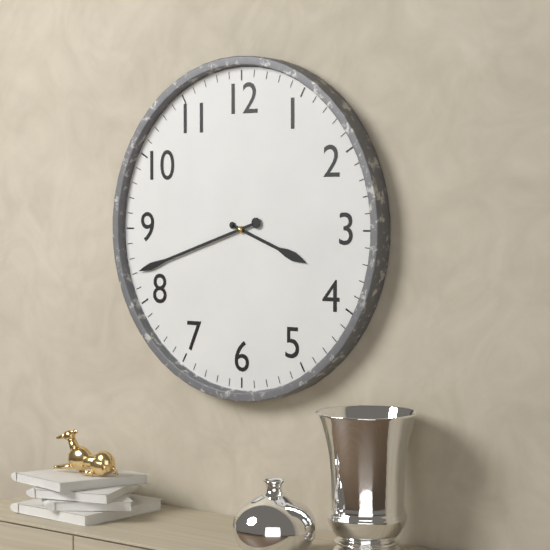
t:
3,42
